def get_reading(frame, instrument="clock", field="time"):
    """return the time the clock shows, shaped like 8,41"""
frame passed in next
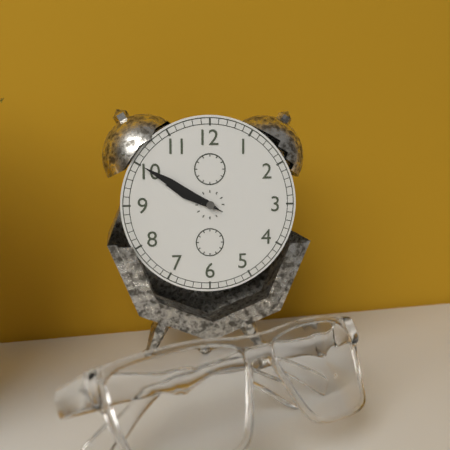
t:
9,50
